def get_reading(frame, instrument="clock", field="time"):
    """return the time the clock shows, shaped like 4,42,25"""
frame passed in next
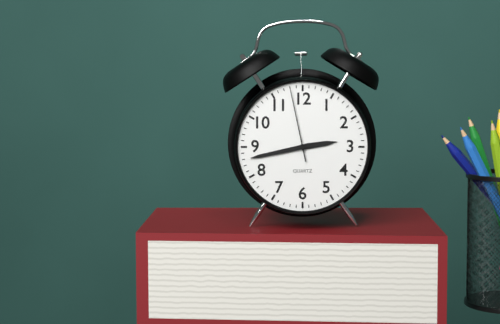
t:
2,43,58
